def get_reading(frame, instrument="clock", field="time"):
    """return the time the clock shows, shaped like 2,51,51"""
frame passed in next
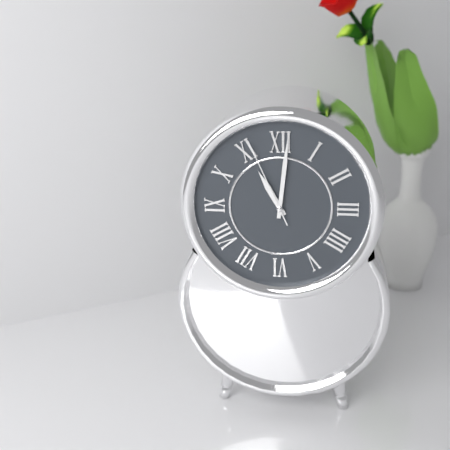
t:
11,01,56
